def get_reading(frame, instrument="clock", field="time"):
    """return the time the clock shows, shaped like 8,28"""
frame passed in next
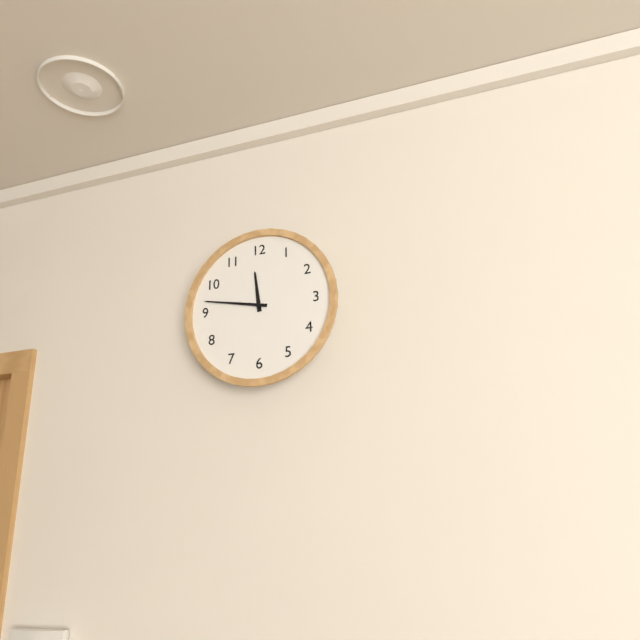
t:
11,47
